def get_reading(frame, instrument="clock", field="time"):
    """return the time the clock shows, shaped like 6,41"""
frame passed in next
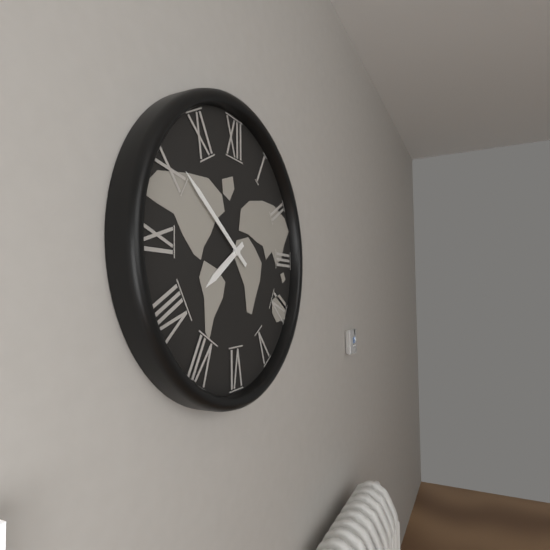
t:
7,51
